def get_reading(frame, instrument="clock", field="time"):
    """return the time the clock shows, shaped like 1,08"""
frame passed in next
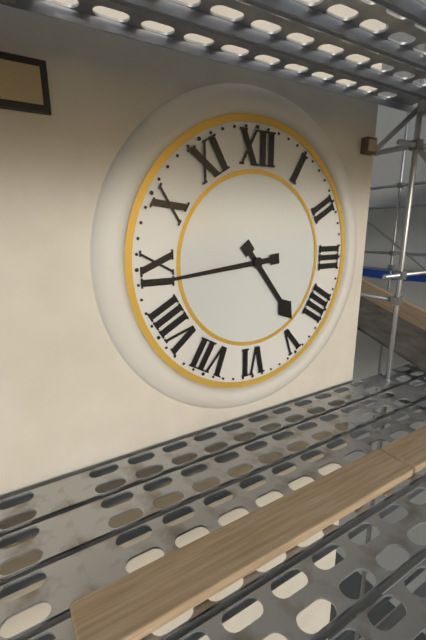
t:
4,44
